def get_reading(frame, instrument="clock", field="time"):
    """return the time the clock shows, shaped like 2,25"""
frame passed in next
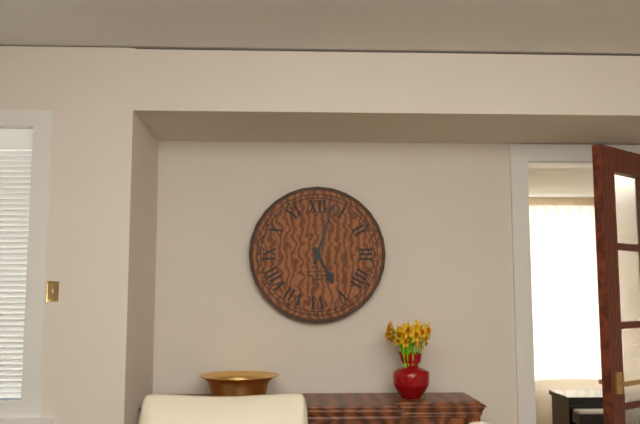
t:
5,03
